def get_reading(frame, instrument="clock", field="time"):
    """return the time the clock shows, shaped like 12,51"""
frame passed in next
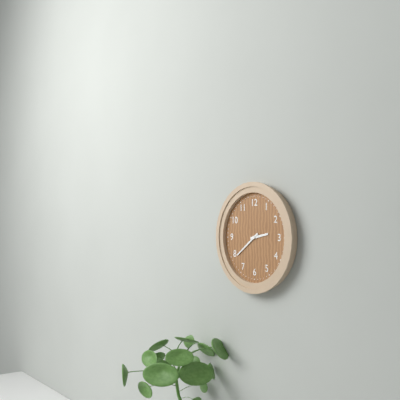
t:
2,39
